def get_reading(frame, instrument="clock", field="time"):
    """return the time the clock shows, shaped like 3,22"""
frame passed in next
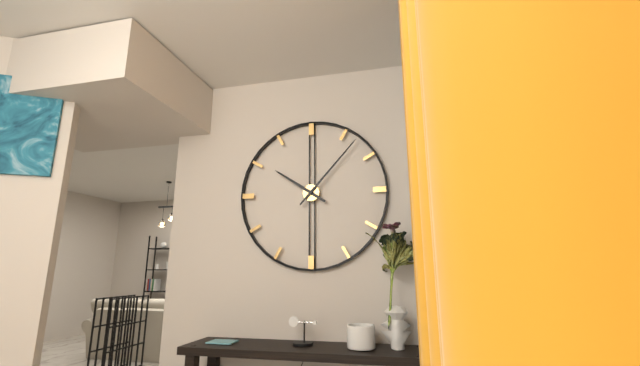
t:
10,07
